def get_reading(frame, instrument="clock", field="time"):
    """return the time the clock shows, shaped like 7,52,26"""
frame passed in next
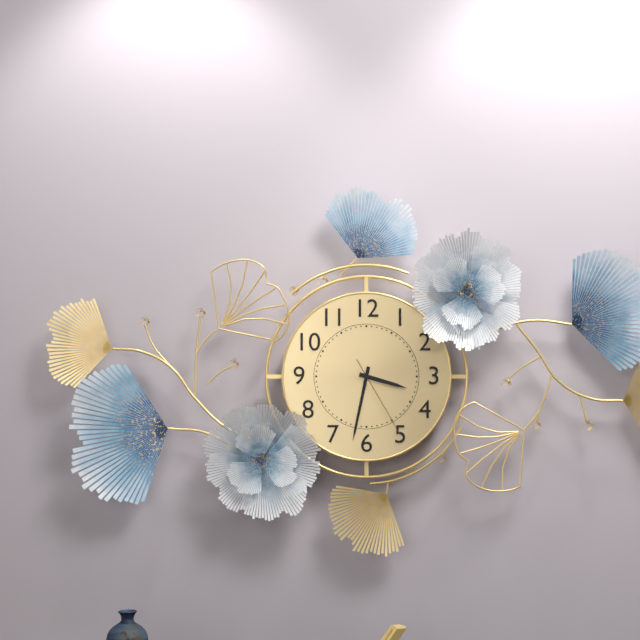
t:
3,32,25
